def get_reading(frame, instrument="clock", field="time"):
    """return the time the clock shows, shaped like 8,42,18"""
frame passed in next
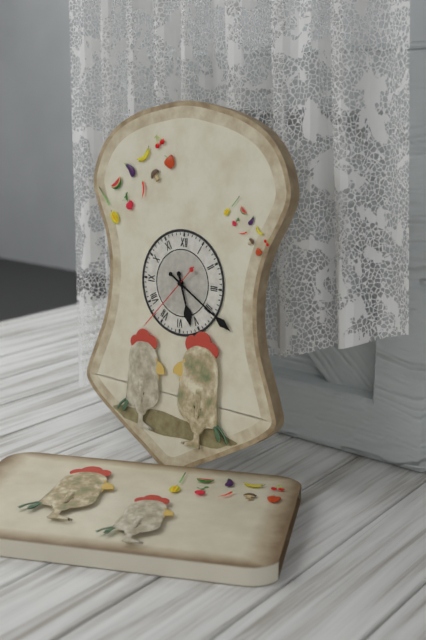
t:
5,20,37
